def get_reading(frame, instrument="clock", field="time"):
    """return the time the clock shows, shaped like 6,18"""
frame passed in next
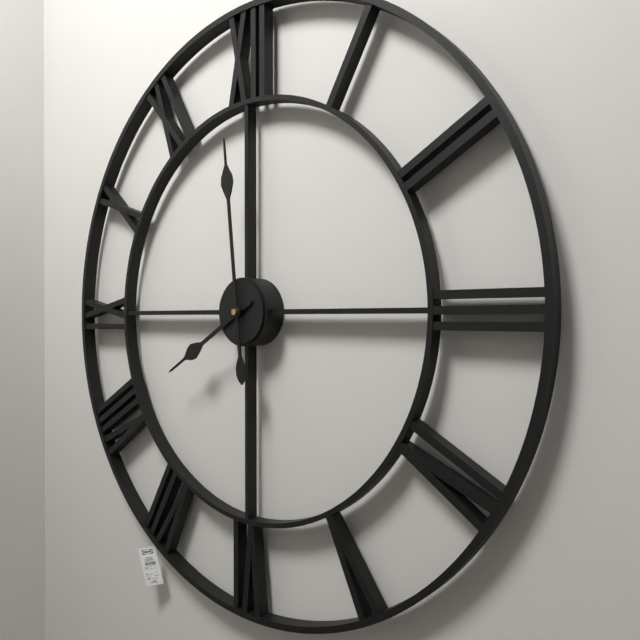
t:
7,59
